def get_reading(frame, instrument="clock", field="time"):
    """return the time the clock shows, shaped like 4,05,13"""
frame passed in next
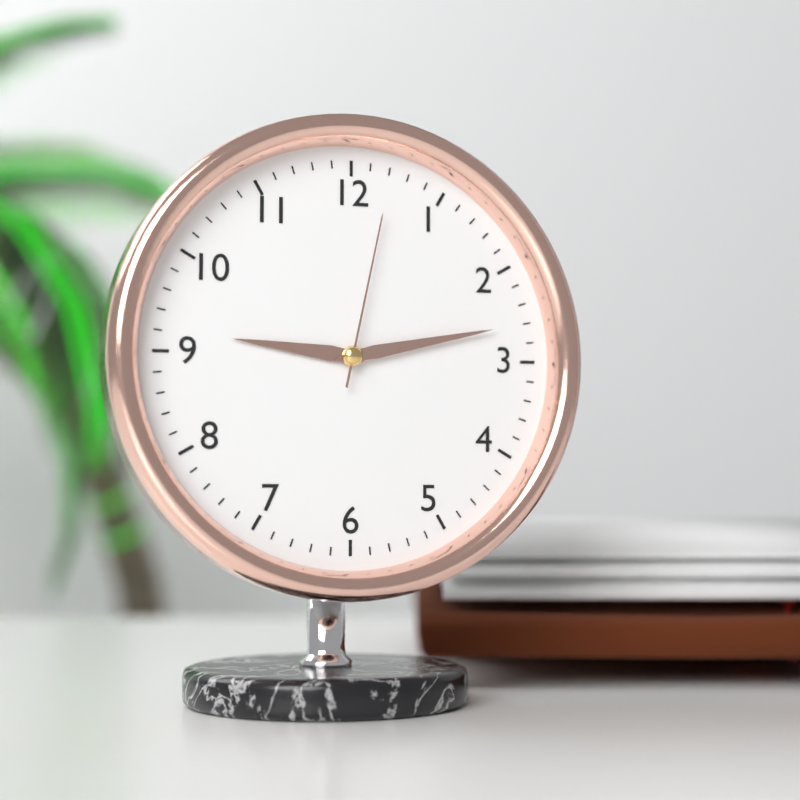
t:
9,13,02
